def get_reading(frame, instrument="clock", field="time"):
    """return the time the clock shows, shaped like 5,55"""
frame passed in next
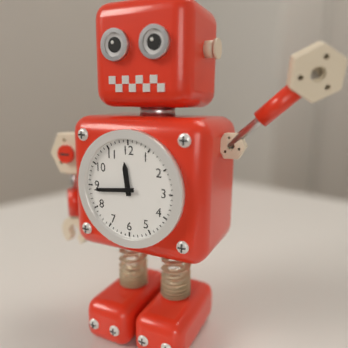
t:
11,44
